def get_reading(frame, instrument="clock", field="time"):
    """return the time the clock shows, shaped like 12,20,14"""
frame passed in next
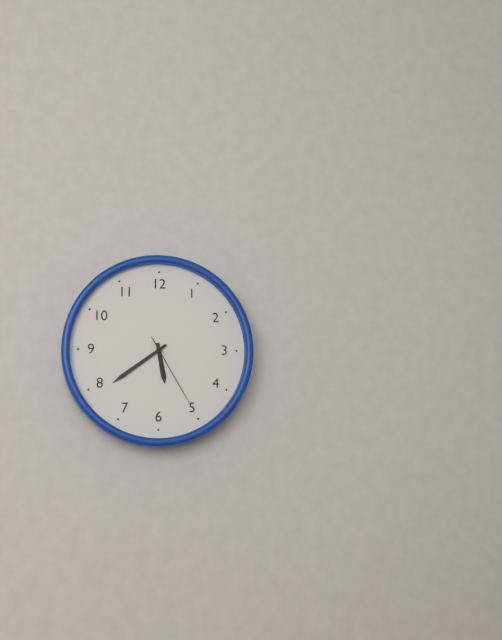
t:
5,39,25
